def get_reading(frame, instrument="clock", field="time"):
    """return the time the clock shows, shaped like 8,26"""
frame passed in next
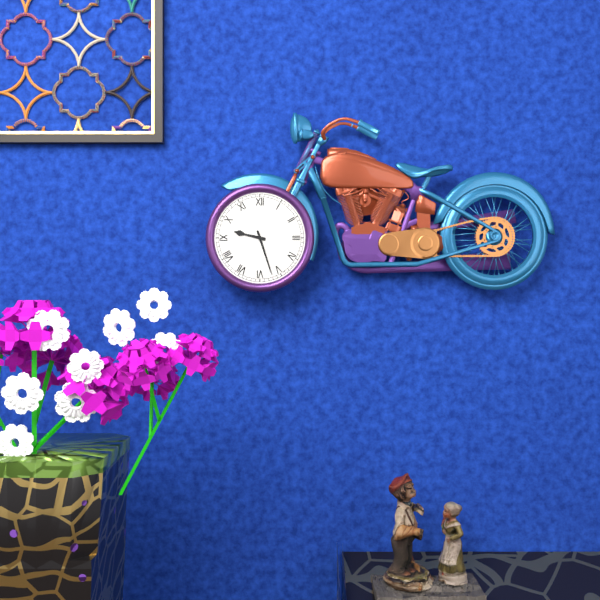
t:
9,27
